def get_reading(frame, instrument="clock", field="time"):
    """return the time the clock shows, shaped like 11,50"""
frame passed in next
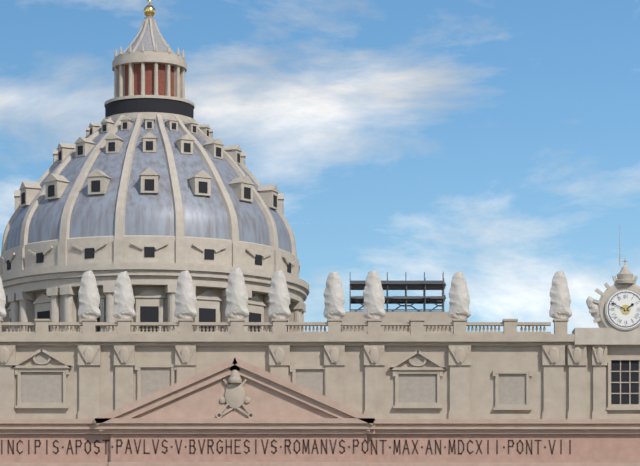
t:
1,49
